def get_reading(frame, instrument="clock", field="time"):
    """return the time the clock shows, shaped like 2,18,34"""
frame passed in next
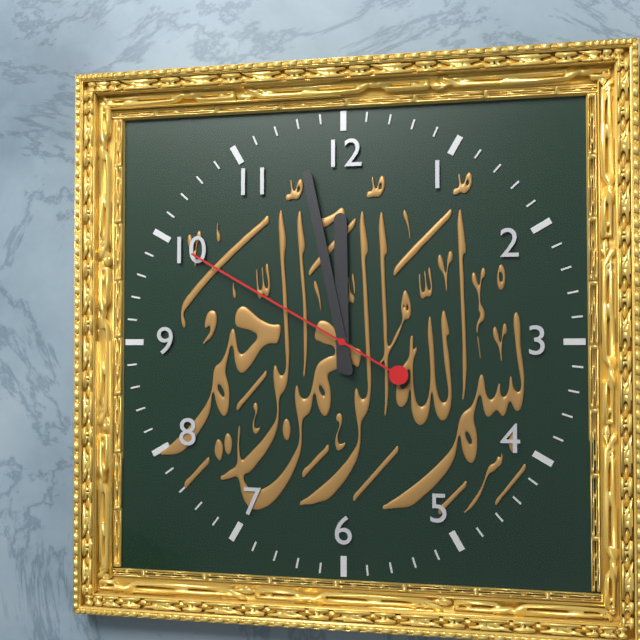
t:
11,58,50
